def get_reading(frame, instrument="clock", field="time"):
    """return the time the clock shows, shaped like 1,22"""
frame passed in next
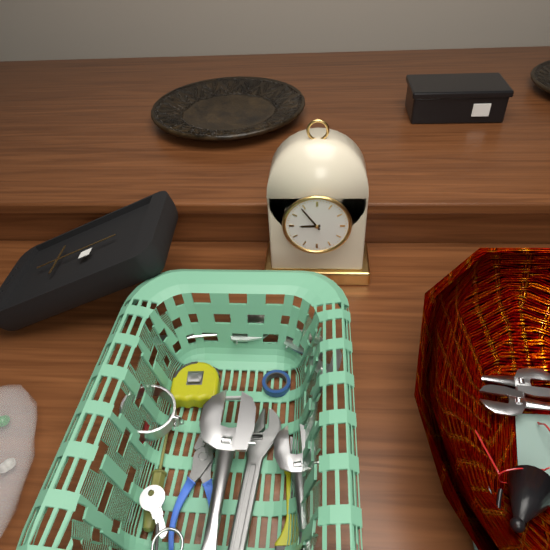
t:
8,54
